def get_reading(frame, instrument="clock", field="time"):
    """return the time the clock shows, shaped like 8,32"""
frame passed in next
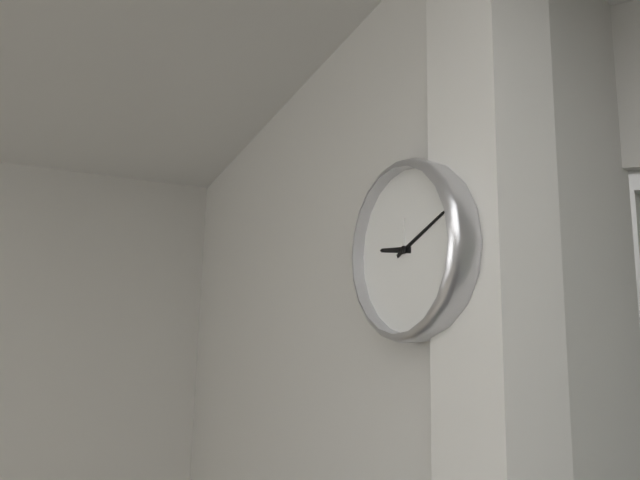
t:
9,11
